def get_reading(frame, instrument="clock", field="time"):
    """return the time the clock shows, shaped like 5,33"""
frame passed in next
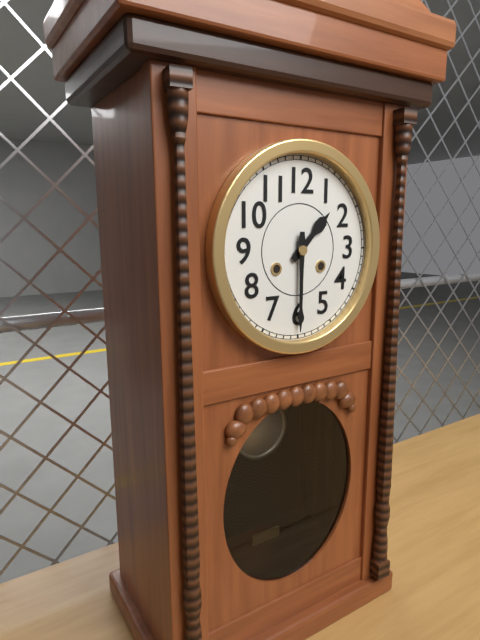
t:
1,30
